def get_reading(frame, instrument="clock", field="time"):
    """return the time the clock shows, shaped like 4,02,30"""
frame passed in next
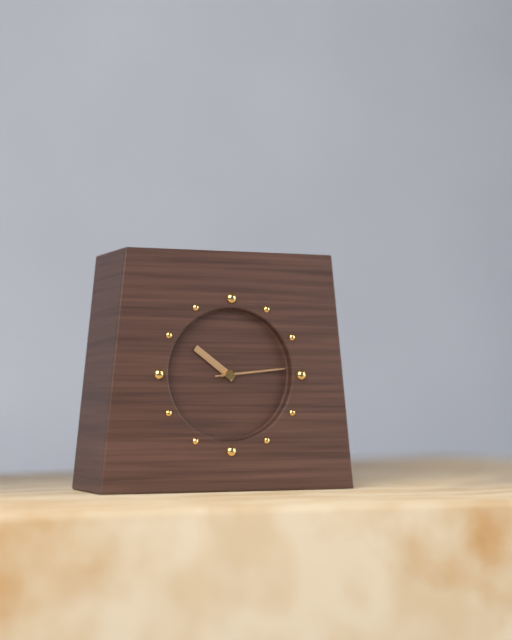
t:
10,14,14
